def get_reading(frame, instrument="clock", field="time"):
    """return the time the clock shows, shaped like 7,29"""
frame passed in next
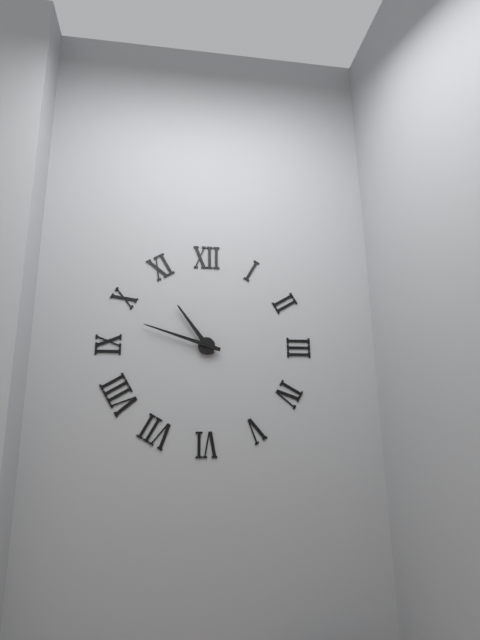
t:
10,48
